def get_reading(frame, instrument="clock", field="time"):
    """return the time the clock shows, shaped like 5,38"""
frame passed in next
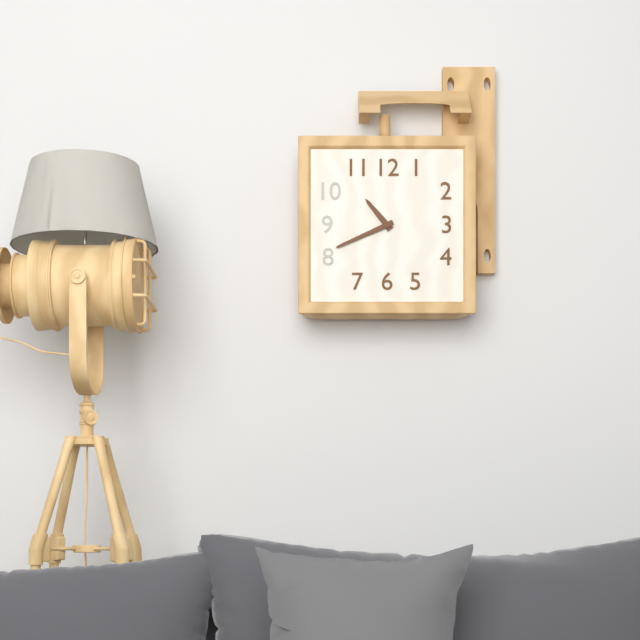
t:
10,41
